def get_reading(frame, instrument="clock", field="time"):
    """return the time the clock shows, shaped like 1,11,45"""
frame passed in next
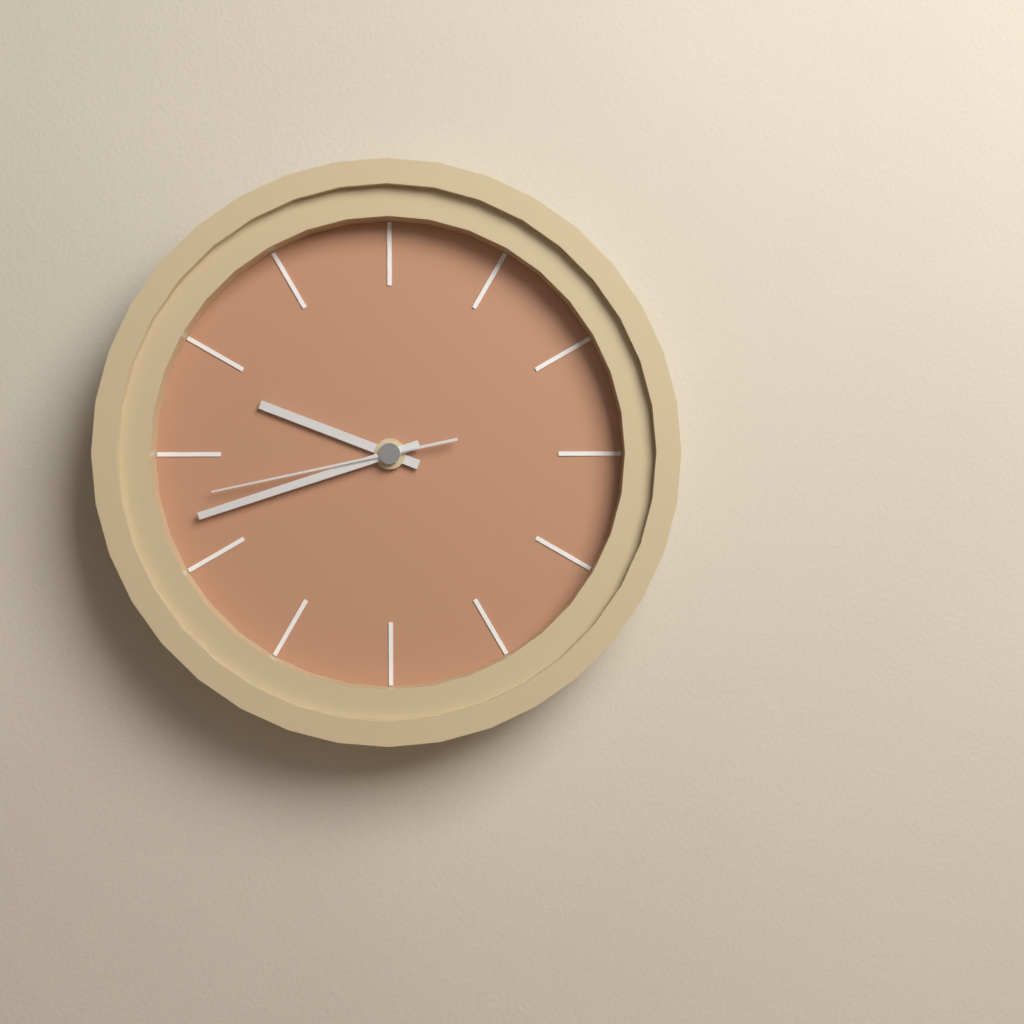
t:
9,42,43
